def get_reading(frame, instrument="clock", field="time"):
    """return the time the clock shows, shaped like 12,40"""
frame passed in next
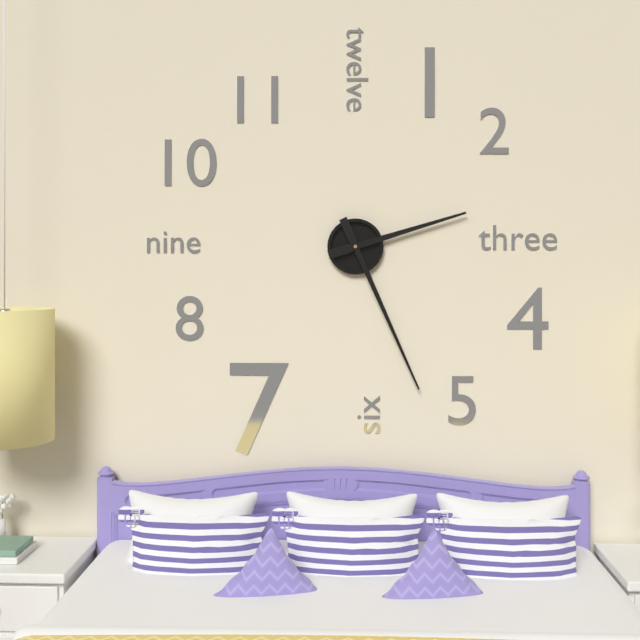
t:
2,26
